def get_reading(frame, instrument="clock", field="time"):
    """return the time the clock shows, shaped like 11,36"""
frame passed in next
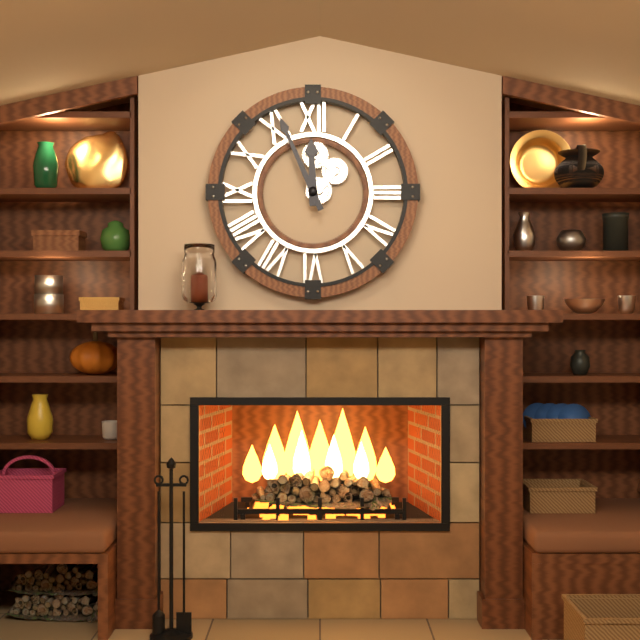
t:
11,56
